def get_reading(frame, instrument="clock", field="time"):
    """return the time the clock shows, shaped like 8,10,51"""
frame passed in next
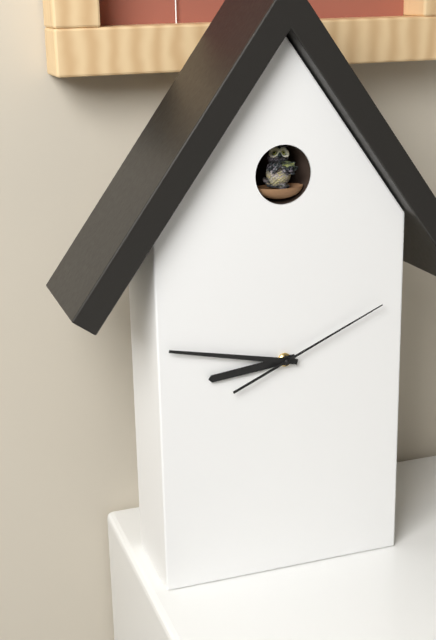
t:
8,47,11
